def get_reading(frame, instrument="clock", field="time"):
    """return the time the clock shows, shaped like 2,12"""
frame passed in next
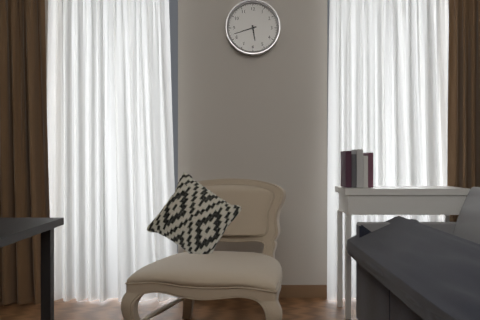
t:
5,42
